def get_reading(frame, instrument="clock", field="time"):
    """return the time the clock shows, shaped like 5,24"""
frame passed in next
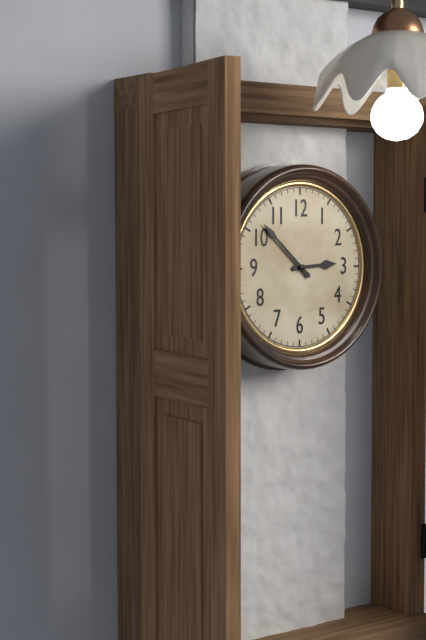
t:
2,52
